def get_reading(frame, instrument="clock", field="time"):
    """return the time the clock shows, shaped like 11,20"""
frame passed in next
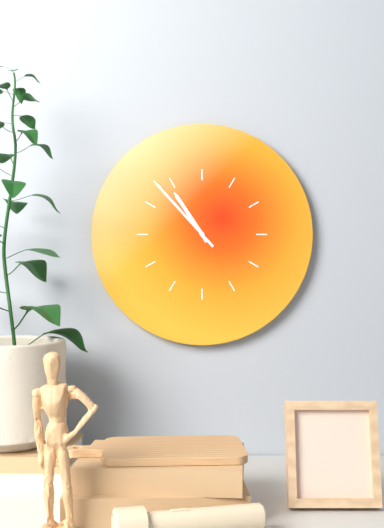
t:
10,53
